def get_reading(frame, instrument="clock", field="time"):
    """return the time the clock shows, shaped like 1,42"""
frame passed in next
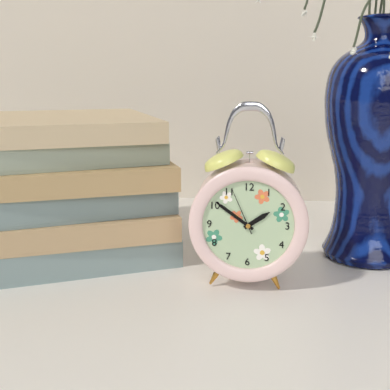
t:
1,51
